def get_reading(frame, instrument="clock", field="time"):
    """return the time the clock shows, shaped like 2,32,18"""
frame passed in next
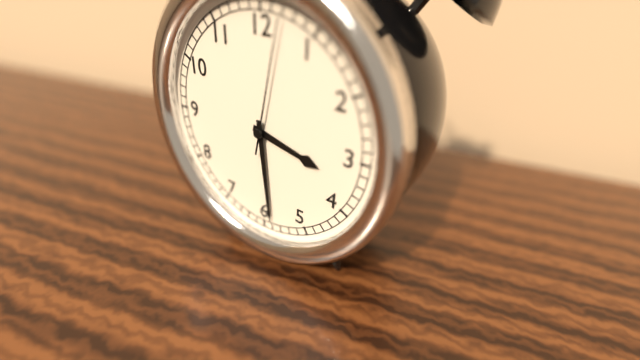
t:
3,29,02
